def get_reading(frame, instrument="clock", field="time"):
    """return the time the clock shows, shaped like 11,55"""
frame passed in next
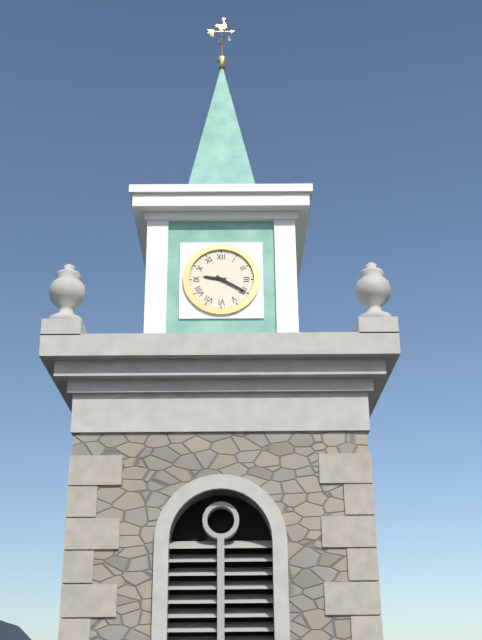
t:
9,20
